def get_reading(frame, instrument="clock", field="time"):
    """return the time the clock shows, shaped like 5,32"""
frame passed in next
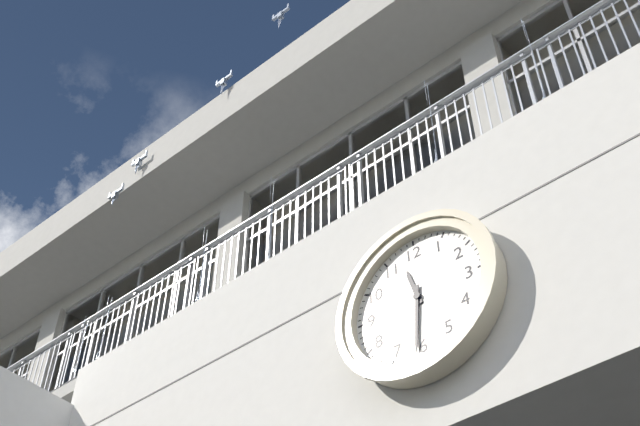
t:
11,31
